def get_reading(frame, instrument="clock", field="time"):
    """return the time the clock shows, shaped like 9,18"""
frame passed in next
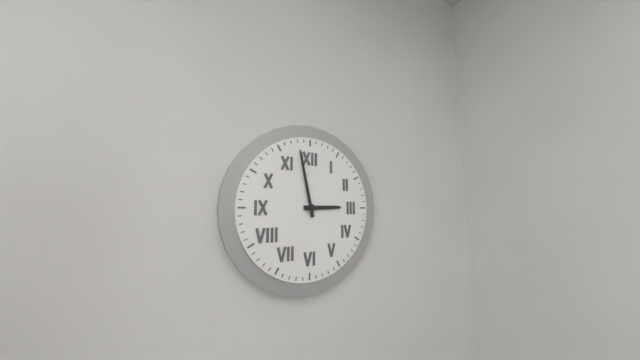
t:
2,58
